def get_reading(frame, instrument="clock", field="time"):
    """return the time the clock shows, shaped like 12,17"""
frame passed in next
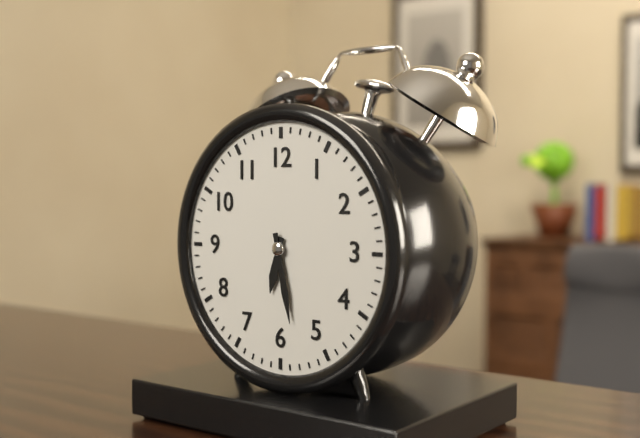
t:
6,28
